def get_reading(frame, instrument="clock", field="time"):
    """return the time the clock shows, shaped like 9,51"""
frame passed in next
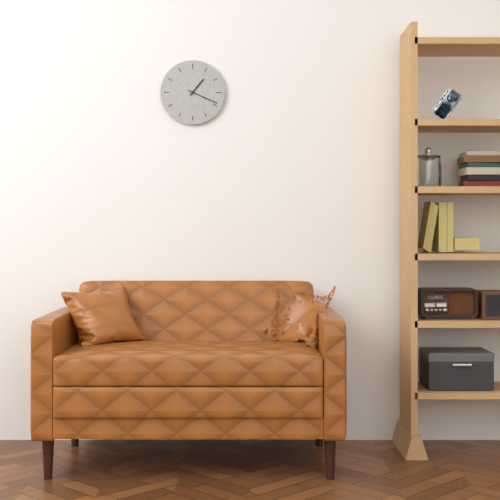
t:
1,19
